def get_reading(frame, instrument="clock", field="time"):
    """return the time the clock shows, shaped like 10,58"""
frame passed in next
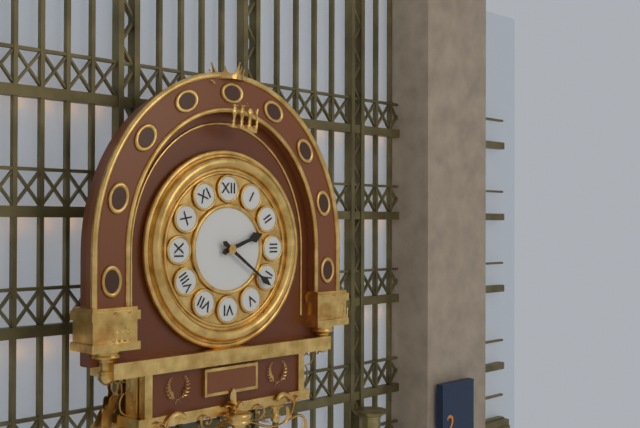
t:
2,21
